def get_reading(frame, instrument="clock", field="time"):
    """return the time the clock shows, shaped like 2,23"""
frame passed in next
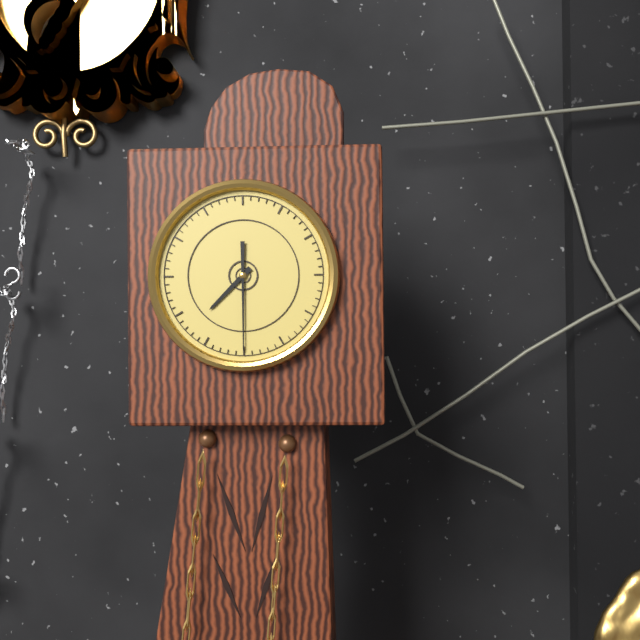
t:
7,30
